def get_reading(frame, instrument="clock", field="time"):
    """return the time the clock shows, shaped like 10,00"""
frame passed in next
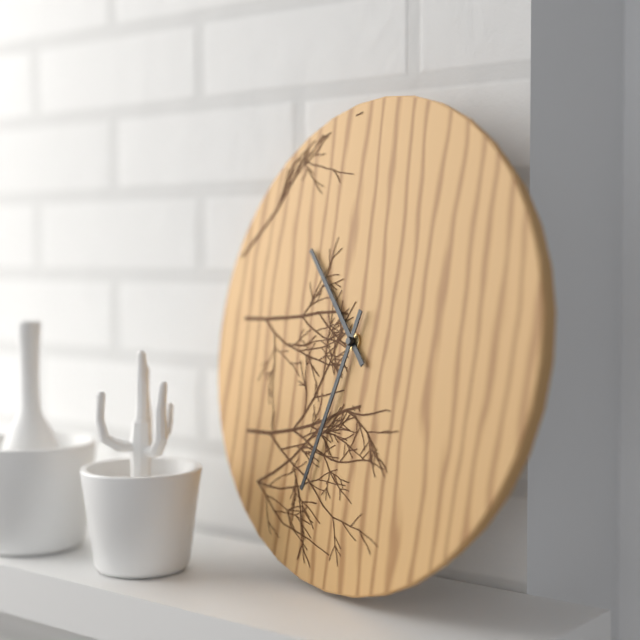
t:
10,33
